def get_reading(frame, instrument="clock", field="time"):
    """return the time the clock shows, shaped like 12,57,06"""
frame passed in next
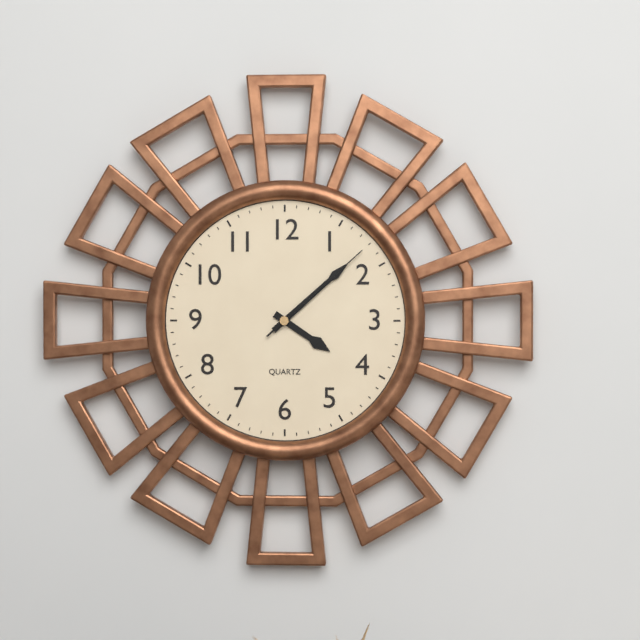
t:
4,08,08
